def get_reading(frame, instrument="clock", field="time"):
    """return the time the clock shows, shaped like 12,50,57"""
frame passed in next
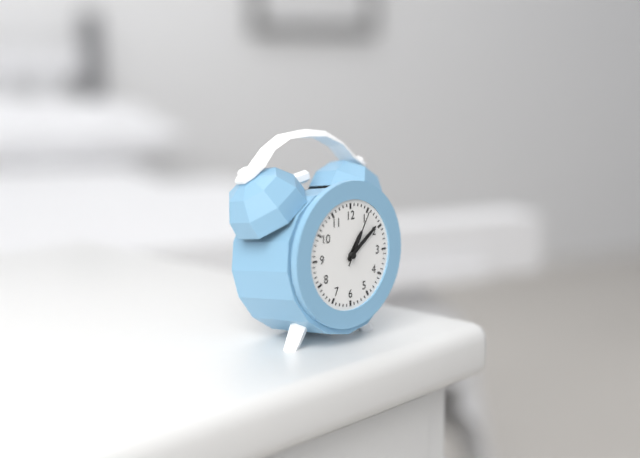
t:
1,09,05
